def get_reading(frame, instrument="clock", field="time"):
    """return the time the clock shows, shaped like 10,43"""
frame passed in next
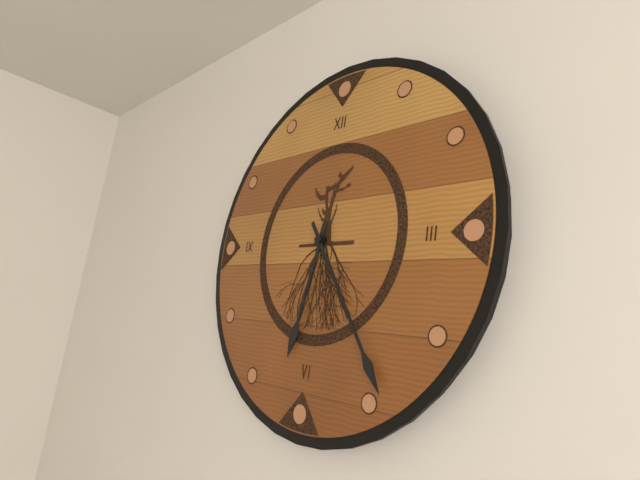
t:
6,24
